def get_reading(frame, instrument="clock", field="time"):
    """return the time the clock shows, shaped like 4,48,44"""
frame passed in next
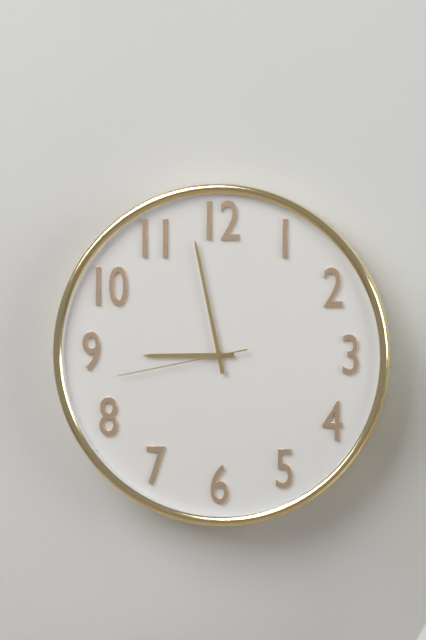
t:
8,58,43
